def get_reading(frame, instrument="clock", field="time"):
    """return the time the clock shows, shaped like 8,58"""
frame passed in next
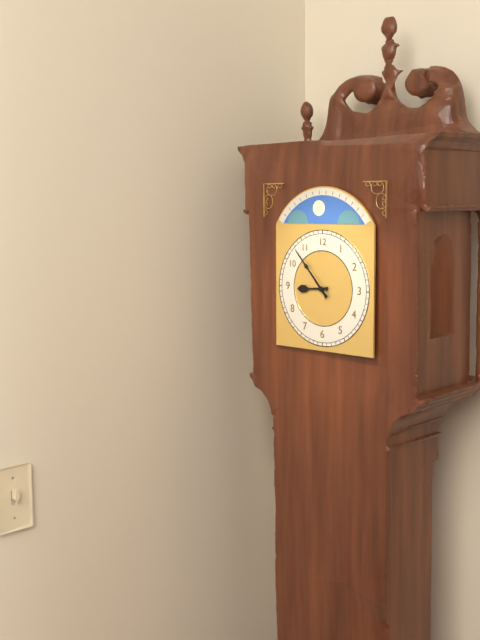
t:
8,53
